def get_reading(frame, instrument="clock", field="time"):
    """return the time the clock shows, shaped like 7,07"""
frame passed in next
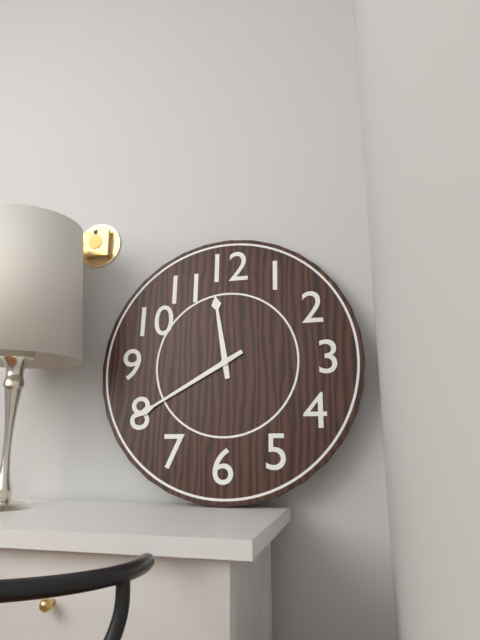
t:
11,40
